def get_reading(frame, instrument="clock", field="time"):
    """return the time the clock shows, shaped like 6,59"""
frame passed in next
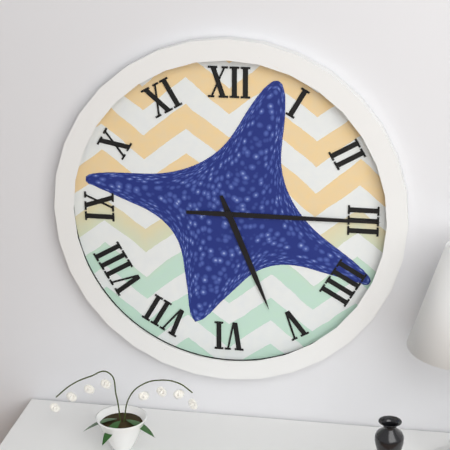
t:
5,15
